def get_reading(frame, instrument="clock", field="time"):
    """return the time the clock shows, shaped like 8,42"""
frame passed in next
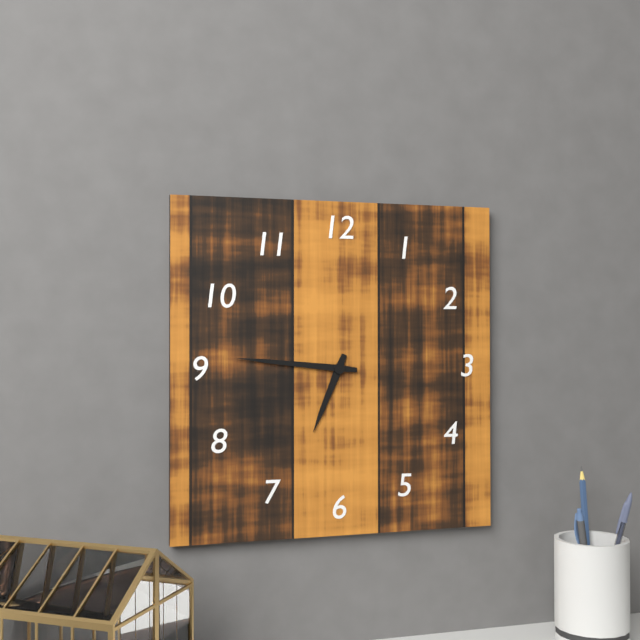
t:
6,46
